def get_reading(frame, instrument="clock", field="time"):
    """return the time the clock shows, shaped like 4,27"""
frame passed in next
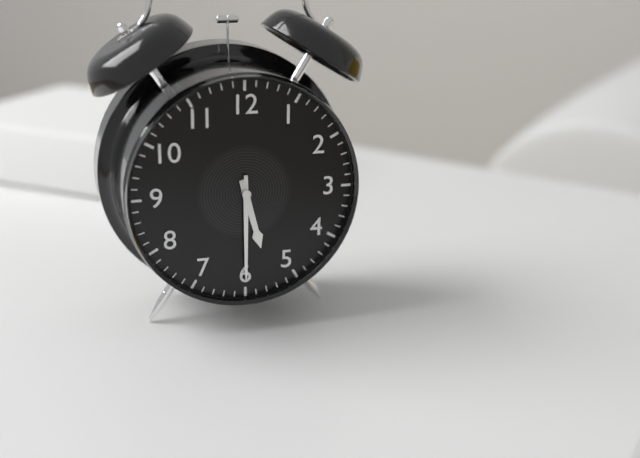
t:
5,30
